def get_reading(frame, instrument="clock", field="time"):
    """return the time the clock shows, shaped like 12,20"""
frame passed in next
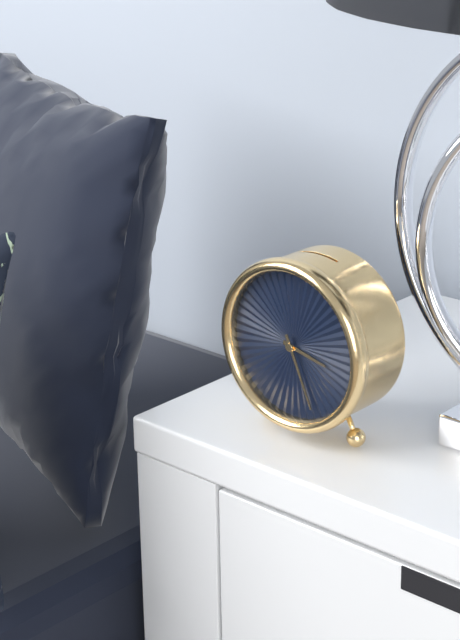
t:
3,26
